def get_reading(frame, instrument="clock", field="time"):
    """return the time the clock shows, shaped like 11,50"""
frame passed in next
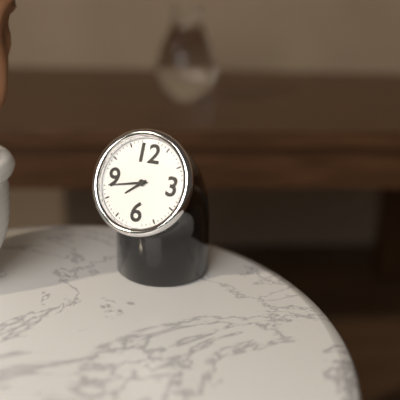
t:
7,43
